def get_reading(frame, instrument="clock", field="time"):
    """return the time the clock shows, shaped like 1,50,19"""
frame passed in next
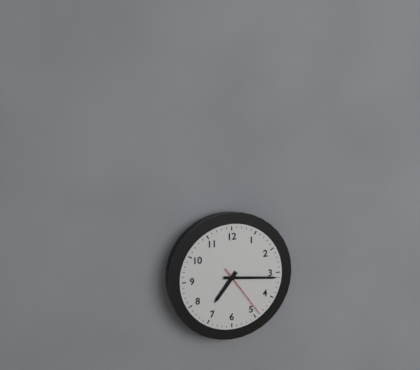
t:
7,16,24
